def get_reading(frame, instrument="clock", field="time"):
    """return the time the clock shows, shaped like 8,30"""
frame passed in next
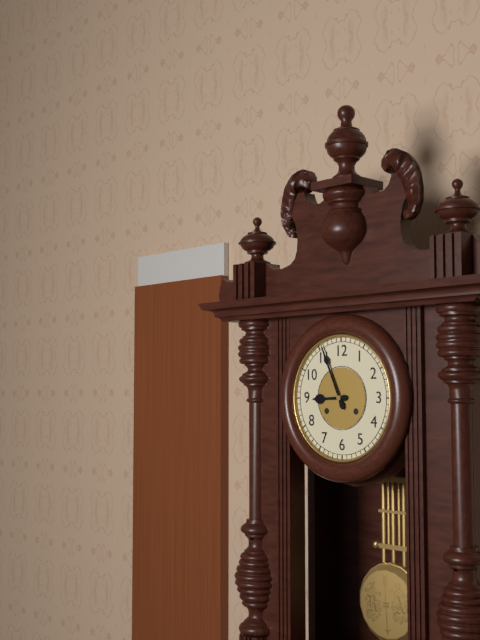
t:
8,56
